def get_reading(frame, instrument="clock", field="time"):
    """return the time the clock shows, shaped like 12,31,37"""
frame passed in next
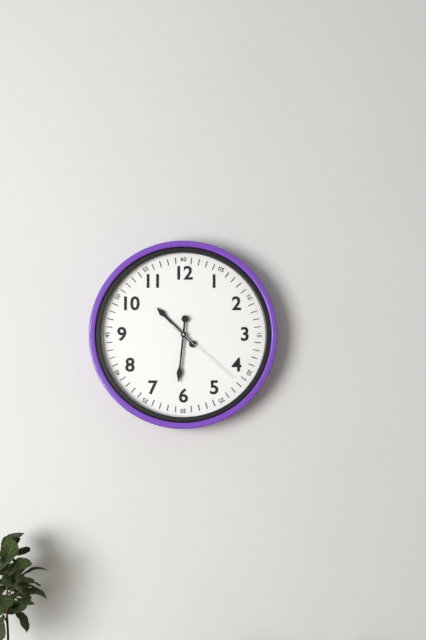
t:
10,31,22
